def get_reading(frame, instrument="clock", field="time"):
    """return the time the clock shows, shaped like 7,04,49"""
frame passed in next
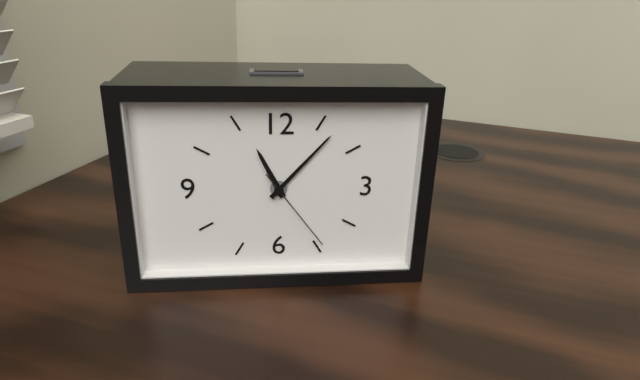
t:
11,07,24
